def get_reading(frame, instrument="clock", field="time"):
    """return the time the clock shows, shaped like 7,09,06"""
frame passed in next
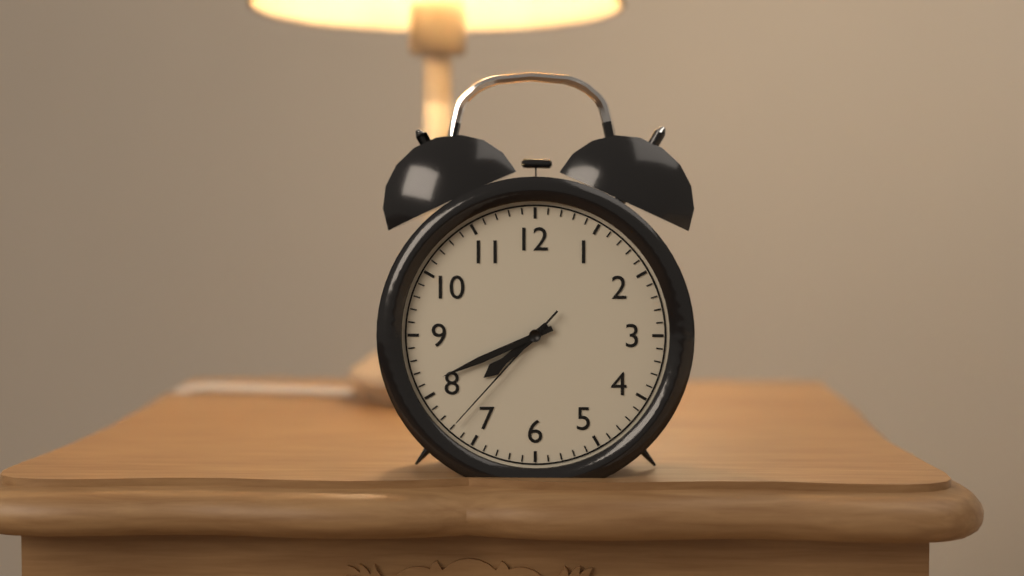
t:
7,41,37
